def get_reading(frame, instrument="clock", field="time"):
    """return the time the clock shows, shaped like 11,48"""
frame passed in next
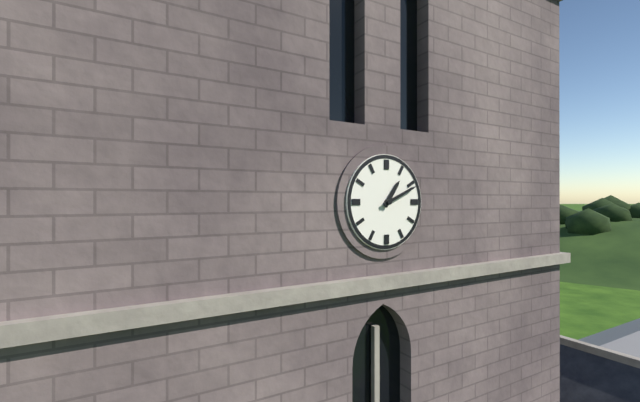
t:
1,11
